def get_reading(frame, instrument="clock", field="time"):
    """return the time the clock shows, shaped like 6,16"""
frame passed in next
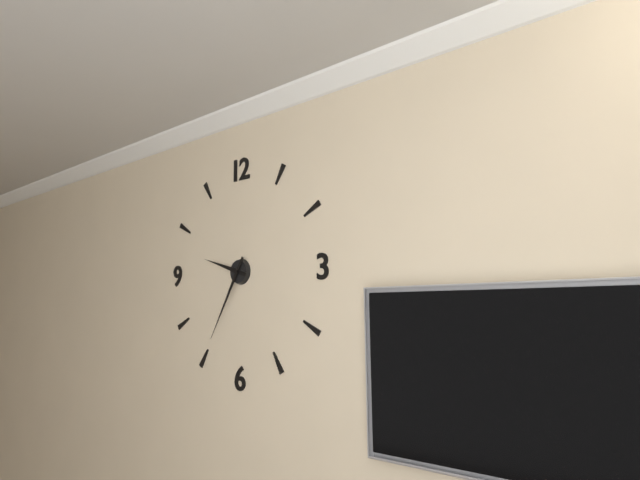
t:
9,35
